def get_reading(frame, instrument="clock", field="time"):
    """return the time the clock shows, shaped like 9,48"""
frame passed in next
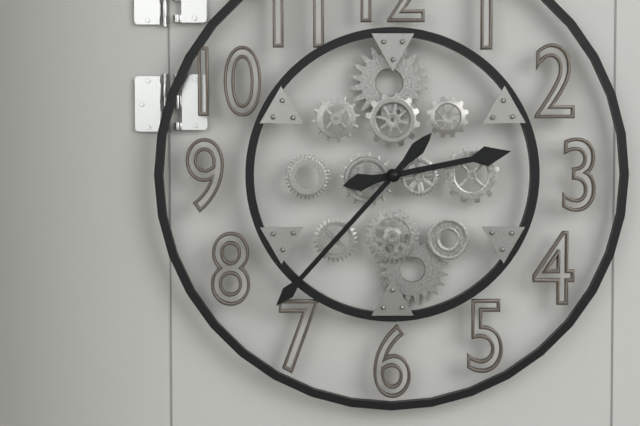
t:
2,37
